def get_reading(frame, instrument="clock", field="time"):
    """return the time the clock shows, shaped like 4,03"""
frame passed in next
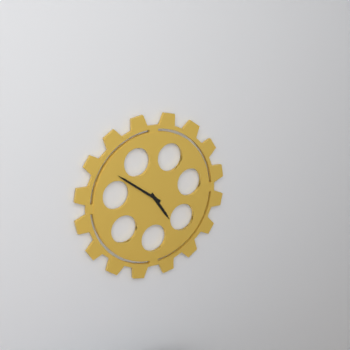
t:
4,51
